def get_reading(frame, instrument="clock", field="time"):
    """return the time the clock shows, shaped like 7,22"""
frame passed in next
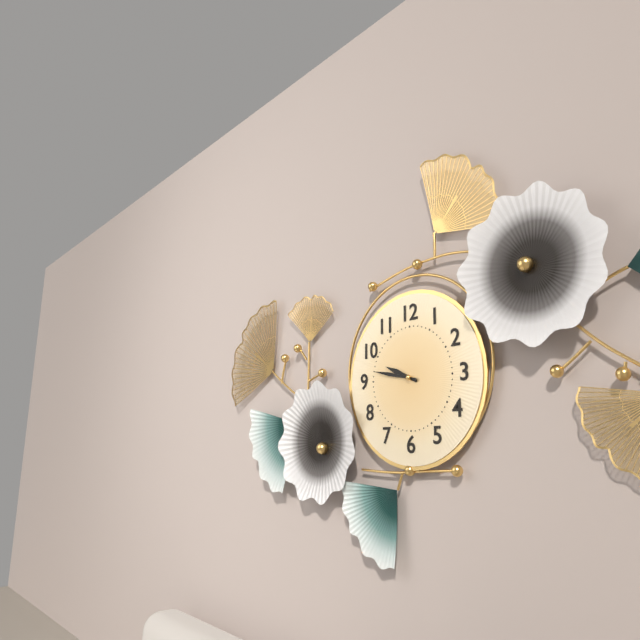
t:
9,47
